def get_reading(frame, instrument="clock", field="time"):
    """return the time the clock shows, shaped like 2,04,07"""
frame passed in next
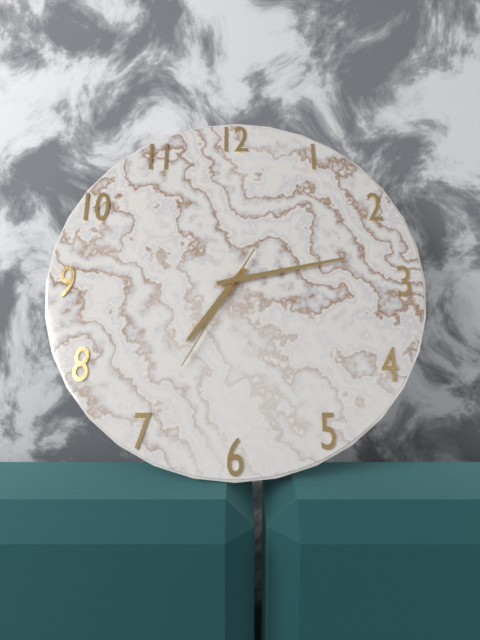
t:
7,13,35
